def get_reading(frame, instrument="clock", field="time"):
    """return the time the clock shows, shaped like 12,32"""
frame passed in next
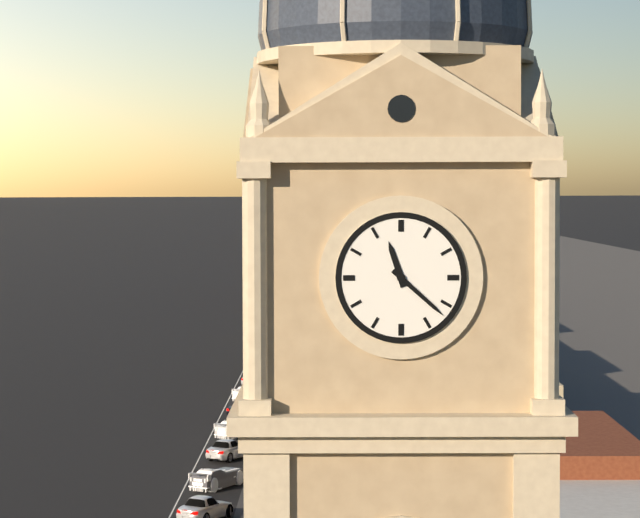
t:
11,22
